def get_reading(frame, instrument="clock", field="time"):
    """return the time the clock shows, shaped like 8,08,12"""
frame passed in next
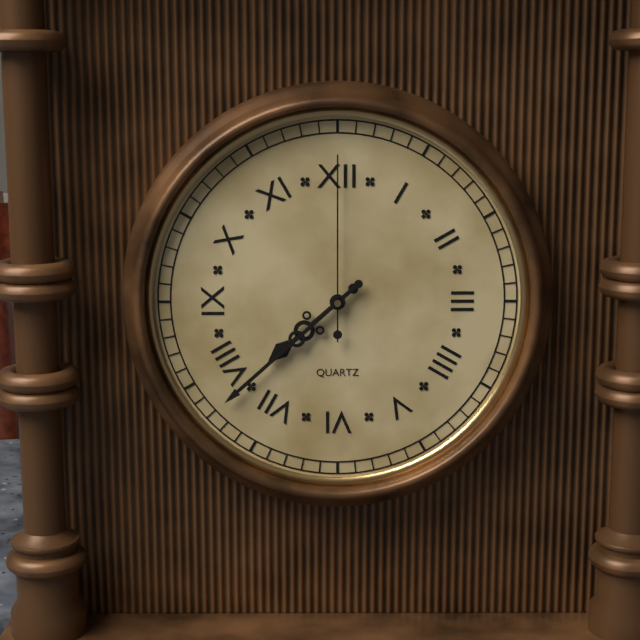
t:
7,38,00
